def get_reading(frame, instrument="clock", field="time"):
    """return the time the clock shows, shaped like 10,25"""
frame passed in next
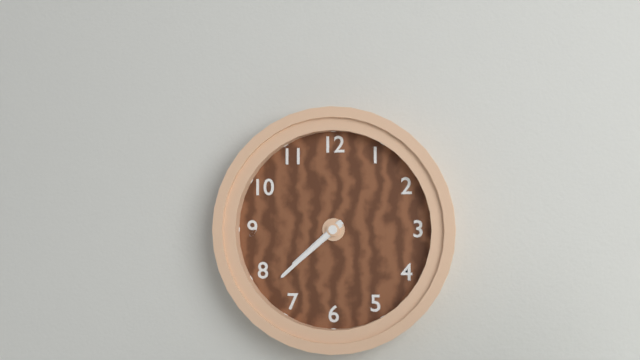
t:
7,38
